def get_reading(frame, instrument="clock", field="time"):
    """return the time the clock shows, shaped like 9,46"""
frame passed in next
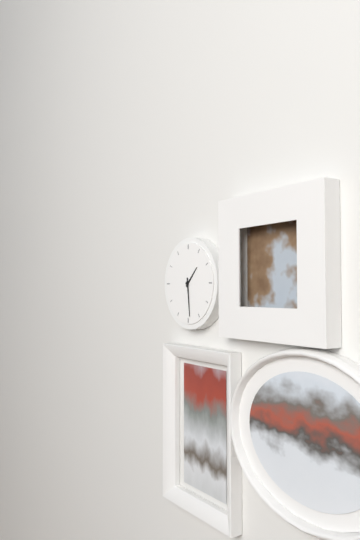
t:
1,29
